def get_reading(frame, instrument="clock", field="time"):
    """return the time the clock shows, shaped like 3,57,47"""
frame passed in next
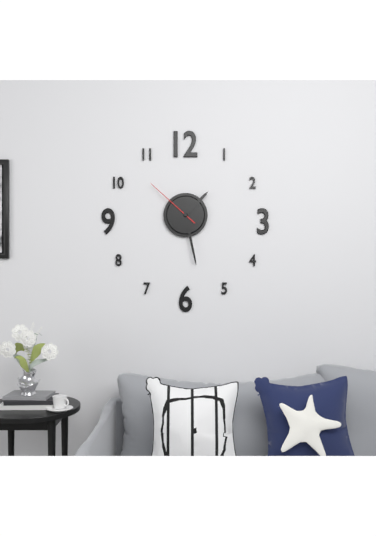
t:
1,28,52
